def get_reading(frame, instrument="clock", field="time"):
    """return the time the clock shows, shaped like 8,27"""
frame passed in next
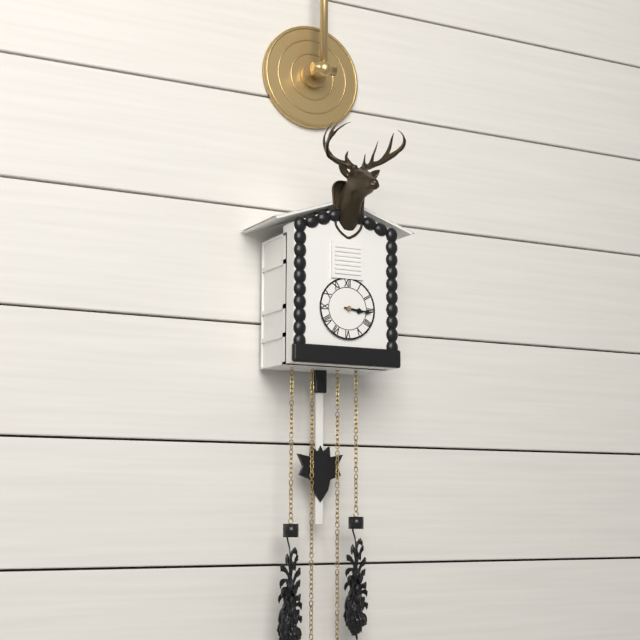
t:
3,16
